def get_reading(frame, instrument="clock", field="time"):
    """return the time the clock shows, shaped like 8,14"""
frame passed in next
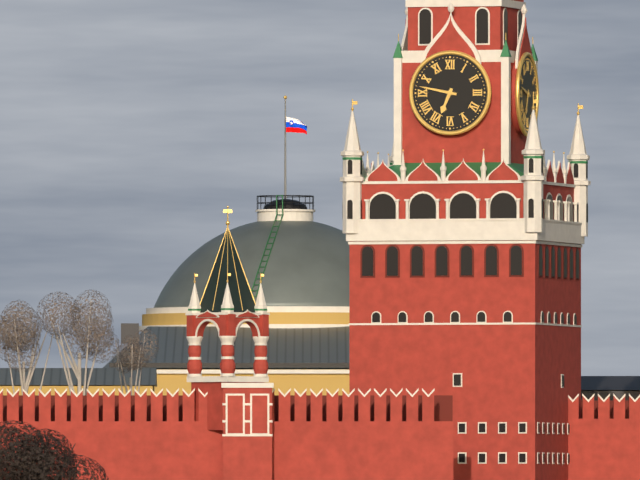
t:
6,47
